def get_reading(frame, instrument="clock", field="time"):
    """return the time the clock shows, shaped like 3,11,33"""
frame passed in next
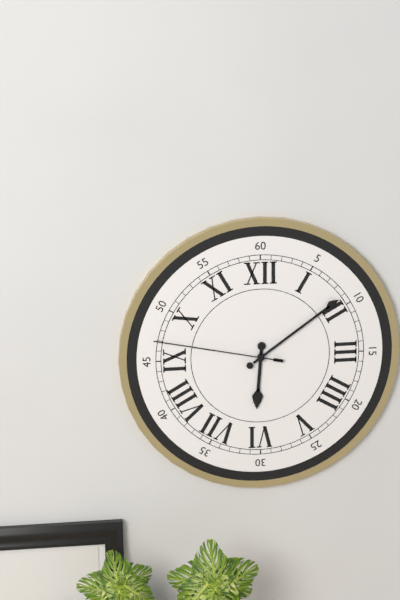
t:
6,09,47
